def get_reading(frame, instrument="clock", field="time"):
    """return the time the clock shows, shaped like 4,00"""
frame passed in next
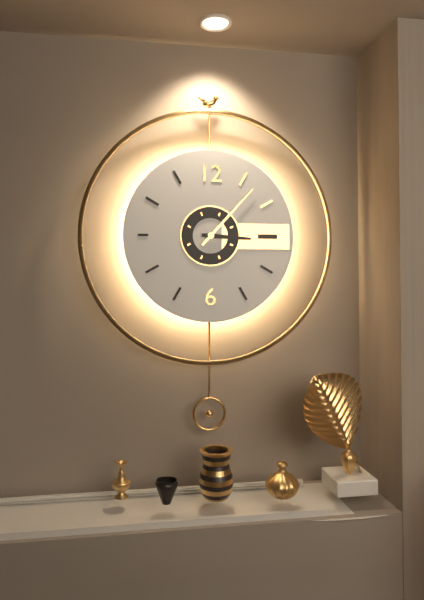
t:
3,07
